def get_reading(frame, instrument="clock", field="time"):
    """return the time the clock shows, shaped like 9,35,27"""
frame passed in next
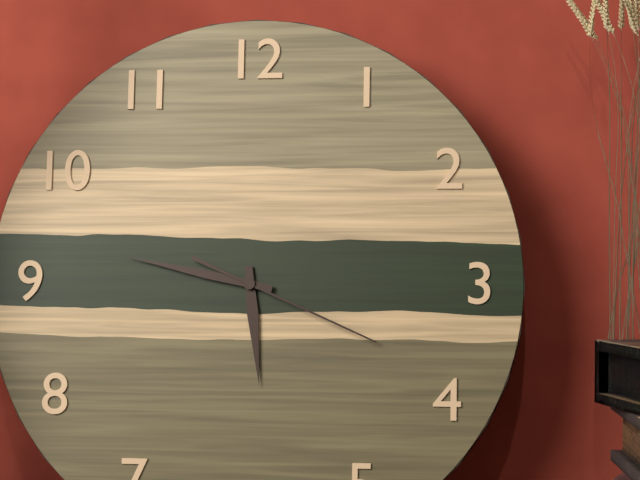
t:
5,47,19
